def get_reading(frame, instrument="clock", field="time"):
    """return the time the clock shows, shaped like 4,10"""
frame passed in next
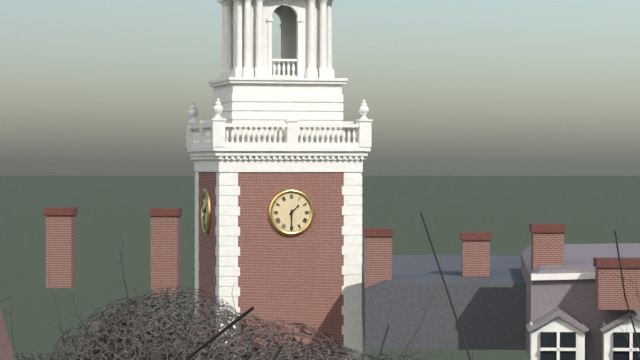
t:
1,30
